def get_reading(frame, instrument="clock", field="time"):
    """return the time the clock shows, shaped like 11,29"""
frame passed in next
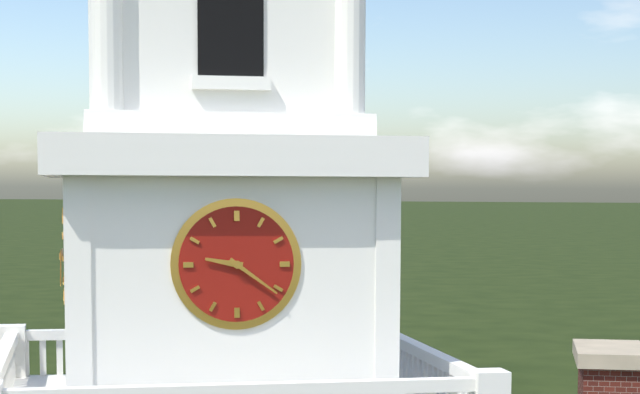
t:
9,21
